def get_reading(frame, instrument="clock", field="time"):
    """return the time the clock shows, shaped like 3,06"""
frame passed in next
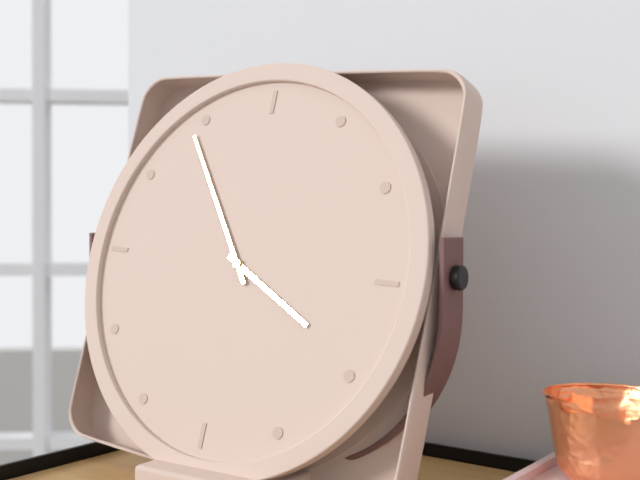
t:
3,54
